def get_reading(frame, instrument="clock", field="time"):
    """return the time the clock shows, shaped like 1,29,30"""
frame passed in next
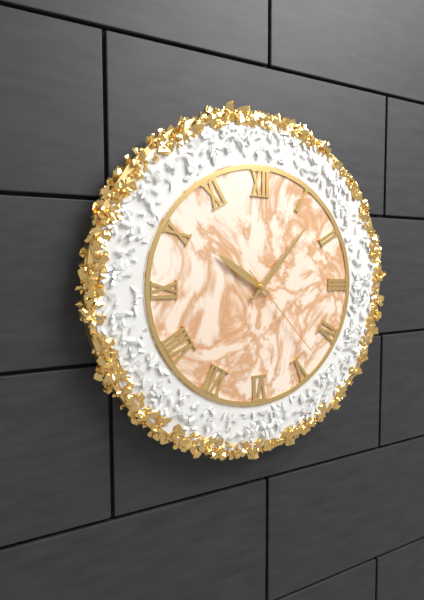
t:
10,07,23
